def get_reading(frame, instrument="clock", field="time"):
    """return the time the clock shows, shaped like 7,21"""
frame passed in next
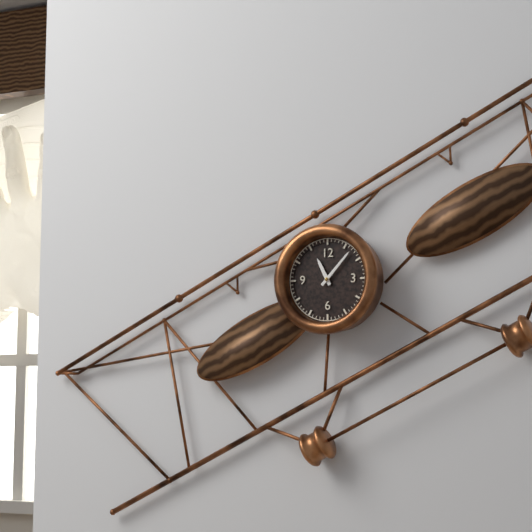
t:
11,07
